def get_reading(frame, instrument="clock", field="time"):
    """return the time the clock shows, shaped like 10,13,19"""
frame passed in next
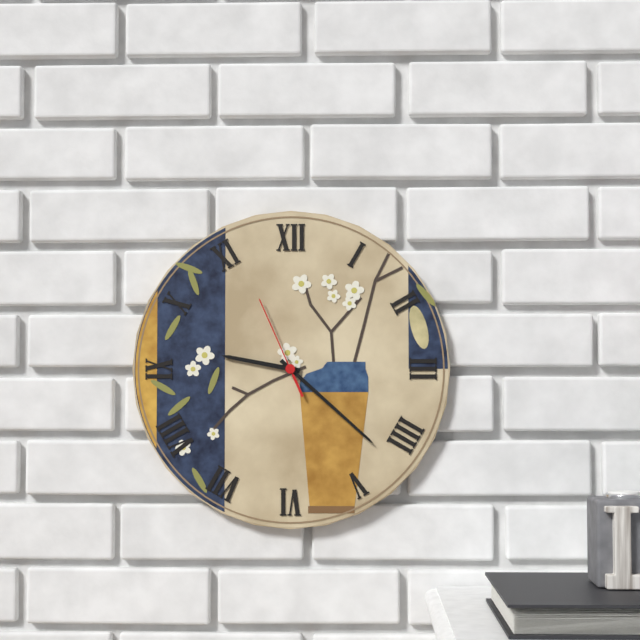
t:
9,22,56
